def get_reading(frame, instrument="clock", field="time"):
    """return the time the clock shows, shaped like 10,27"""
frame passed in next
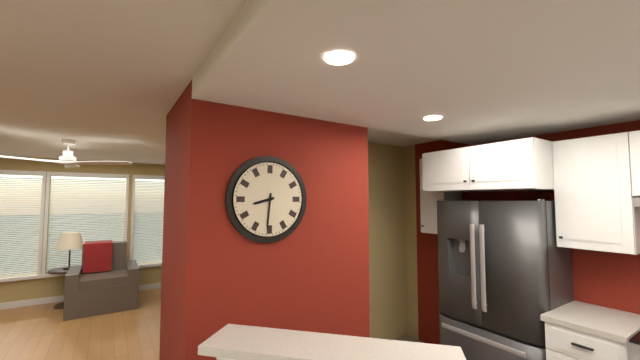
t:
8,31
